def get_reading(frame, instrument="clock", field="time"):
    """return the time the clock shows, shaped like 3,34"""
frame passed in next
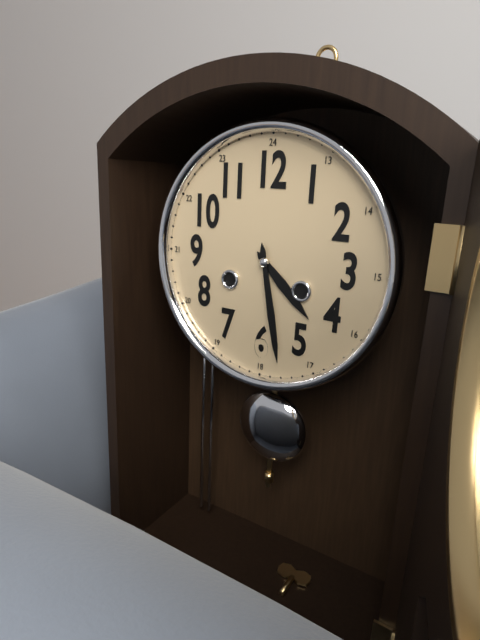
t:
4,28
